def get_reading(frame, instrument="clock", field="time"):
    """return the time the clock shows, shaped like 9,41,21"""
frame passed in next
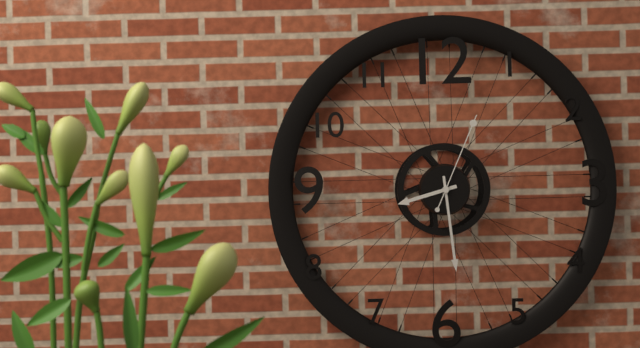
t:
8,29,04
